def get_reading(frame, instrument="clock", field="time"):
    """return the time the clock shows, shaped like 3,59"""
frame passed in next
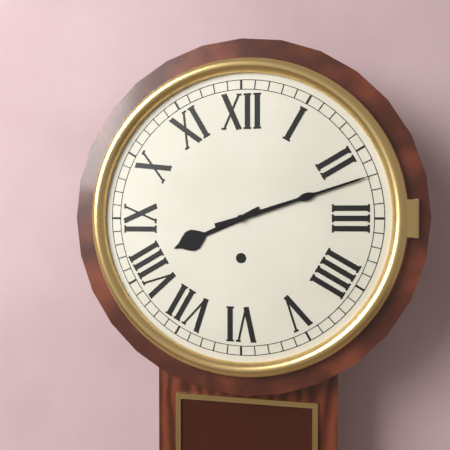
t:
8,12
